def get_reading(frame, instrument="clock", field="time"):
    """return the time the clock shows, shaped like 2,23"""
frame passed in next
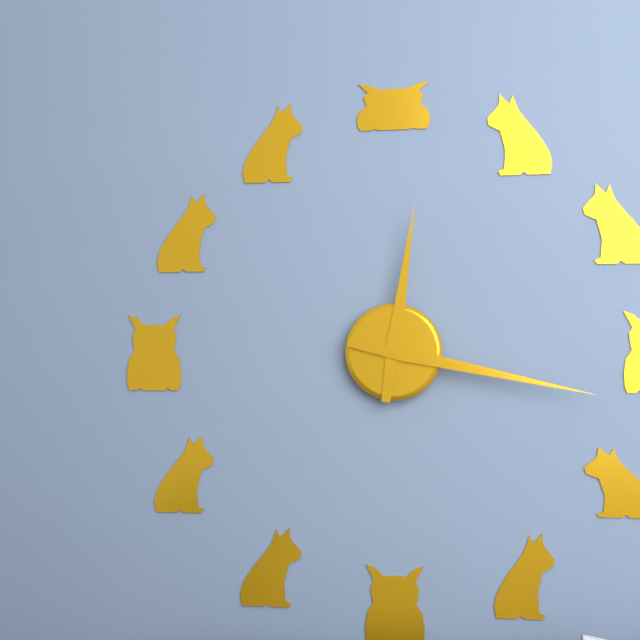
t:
12,17
